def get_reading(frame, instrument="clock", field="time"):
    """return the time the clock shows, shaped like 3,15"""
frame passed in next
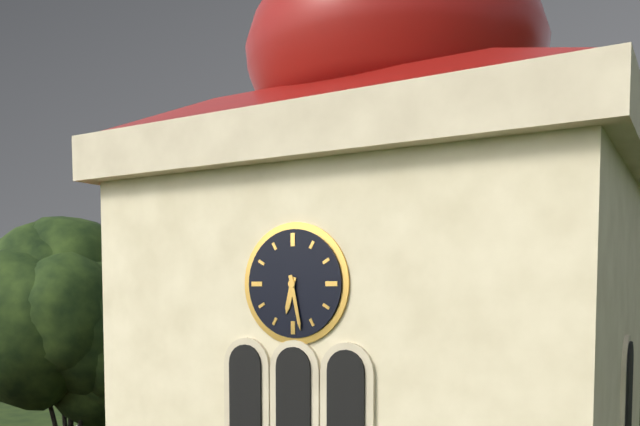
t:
6,28
